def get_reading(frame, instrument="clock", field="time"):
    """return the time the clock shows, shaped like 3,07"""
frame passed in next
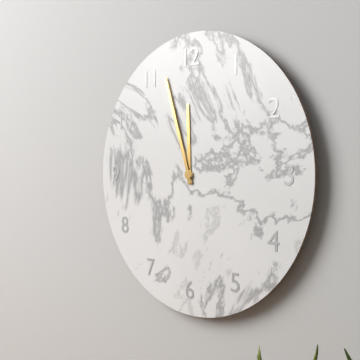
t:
11,57
